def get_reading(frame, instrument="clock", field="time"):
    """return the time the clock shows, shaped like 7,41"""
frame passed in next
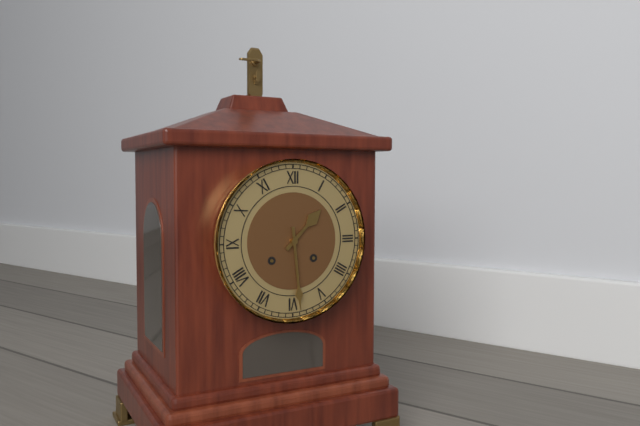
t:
1,29
